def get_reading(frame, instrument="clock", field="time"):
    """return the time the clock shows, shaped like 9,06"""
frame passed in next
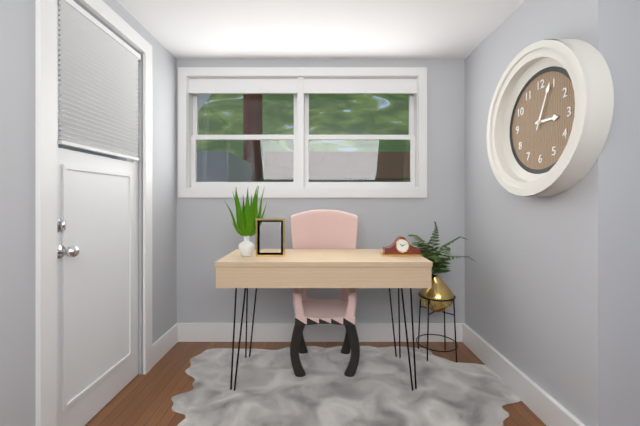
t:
3,04
